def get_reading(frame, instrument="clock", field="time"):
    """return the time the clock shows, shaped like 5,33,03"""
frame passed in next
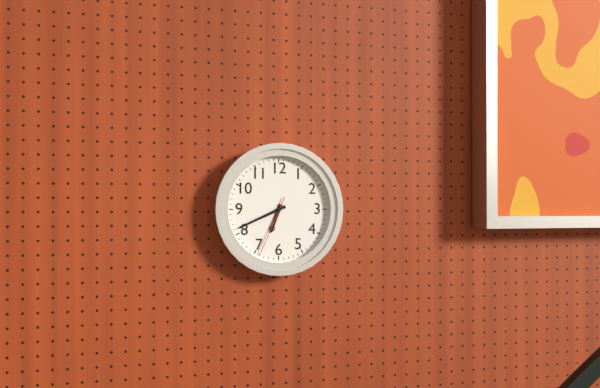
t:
6,41,34
